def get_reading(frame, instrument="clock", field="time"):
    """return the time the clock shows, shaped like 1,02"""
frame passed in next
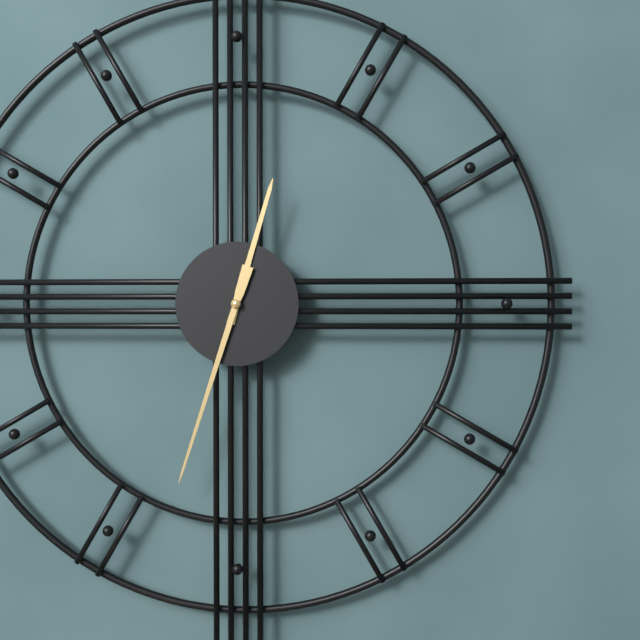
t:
12,33
